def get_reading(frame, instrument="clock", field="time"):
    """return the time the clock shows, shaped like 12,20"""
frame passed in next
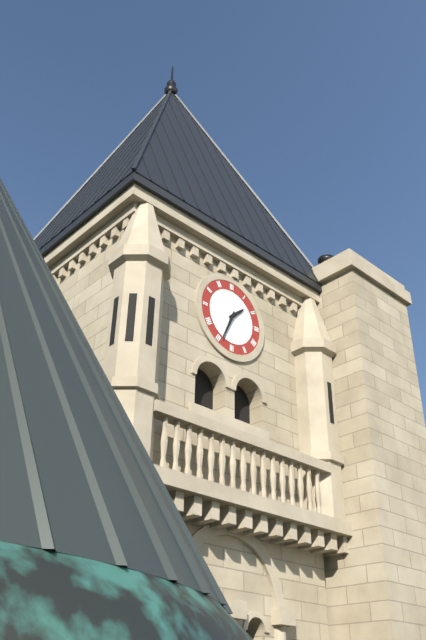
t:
1,34
